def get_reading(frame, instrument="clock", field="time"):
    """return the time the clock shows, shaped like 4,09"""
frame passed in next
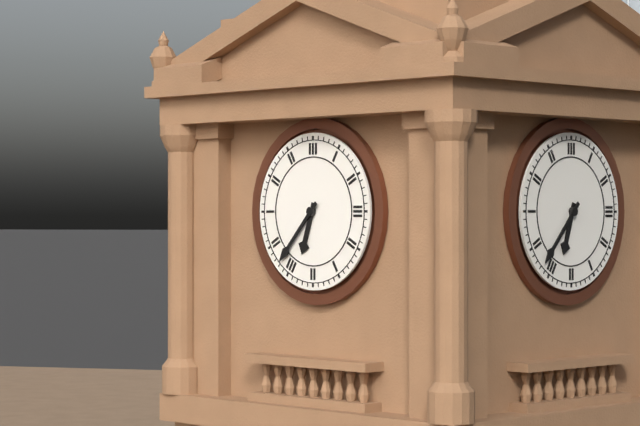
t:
6,37
